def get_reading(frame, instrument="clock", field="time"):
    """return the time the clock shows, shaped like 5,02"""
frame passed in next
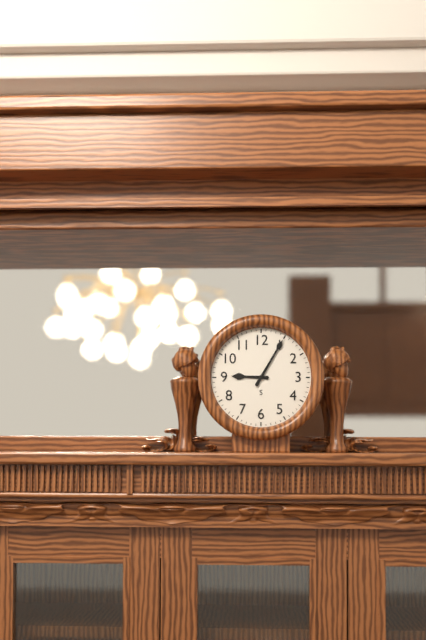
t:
9,05
